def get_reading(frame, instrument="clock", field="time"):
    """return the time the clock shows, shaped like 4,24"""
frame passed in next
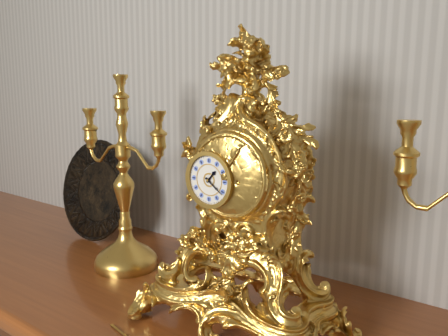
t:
1,21
